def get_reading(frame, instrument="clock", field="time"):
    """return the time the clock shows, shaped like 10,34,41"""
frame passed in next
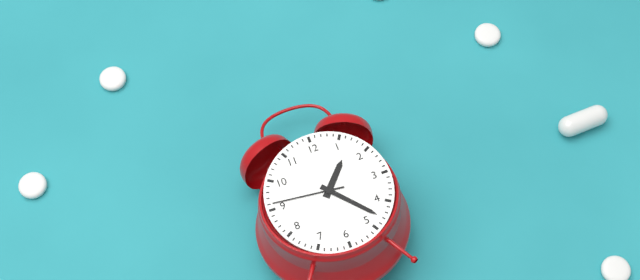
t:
1,23,46
